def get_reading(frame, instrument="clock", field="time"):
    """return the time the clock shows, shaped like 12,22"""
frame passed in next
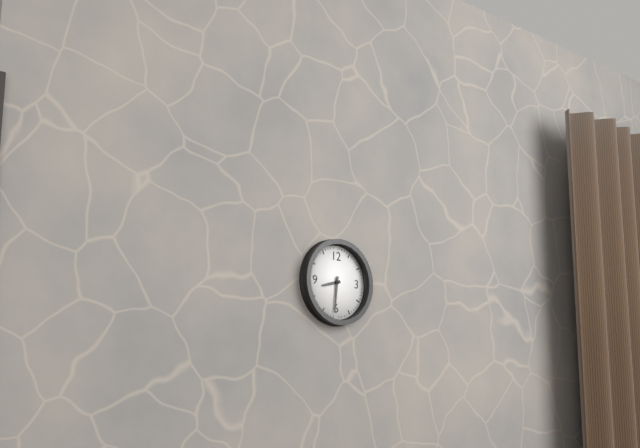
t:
8,31
